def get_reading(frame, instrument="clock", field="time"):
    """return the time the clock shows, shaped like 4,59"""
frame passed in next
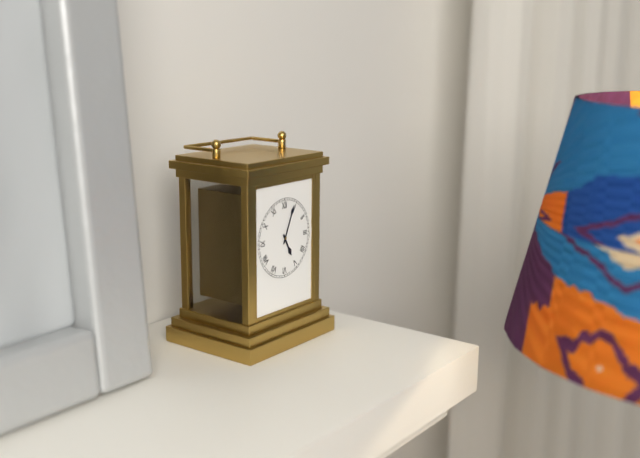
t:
5,04
